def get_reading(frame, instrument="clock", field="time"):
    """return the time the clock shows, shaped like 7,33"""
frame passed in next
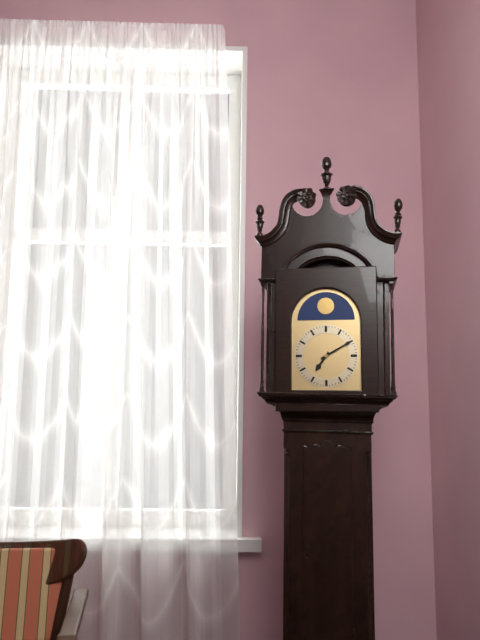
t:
7,10
